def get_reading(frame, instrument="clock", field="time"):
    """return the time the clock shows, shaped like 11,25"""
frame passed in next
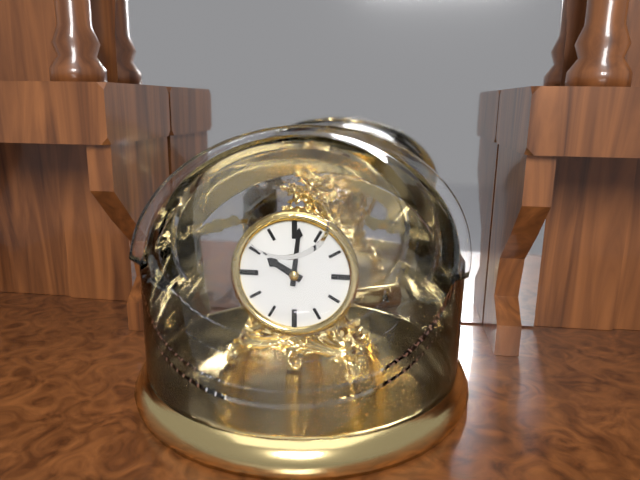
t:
10,01
